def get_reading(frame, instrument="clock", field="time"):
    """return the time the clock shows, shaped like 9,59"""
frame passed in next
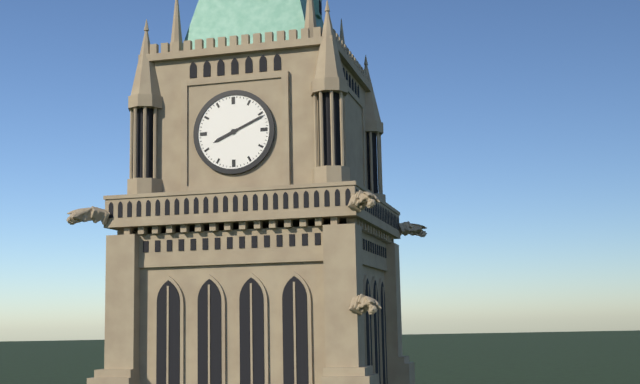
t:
8,11
